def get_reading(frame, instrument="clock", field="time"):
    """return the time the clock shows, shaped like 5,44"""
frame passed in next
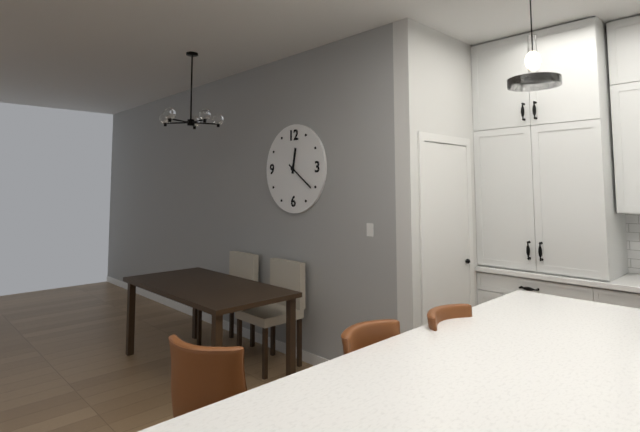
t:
12,21
